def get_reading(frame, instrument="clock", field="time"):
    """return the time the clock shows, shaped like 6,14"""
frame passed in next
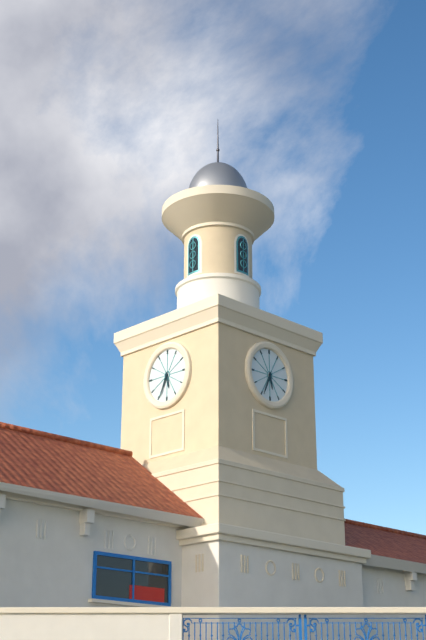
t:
5,34
